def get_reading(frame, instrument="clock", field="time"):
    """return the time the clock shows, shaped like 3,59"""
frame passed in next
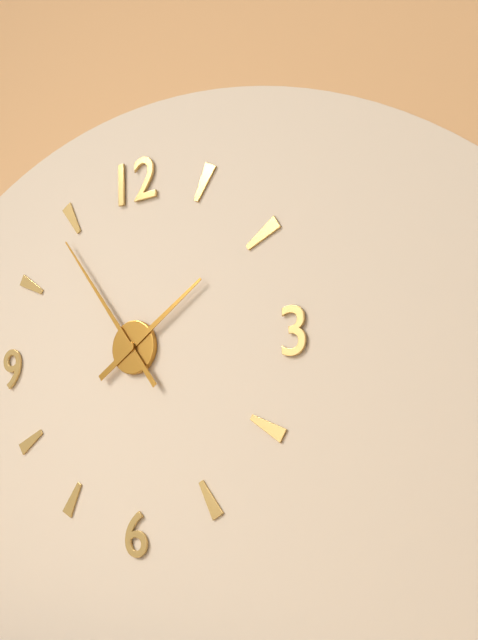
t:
1,54
